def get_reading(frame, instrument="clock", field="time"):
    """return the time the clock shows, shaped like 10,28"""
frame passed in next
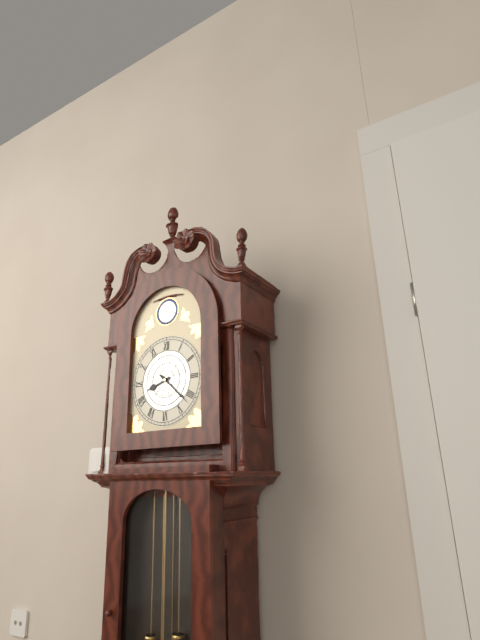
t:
8,22
